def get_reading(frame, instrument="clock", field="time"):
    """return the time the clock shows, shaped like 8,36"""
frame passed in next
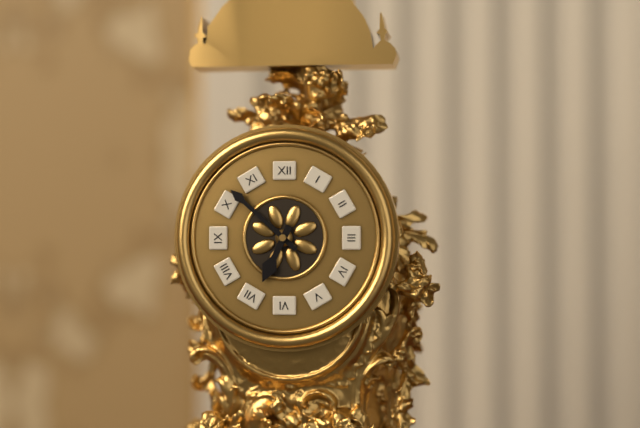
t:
6,52
